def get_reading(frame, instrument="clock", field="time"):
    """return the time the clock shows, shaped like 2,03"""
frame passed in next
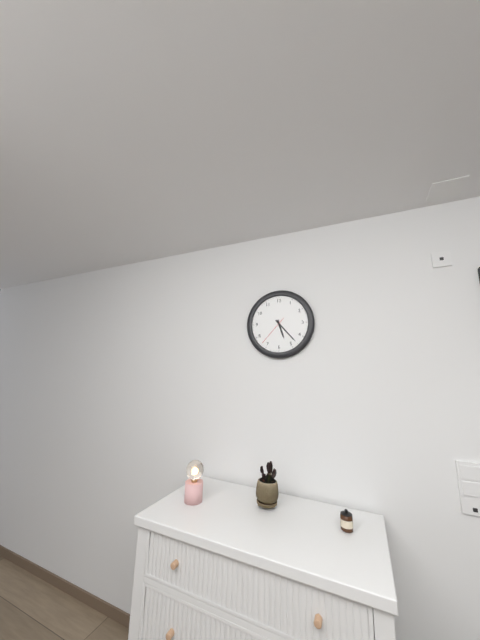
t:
5,23
